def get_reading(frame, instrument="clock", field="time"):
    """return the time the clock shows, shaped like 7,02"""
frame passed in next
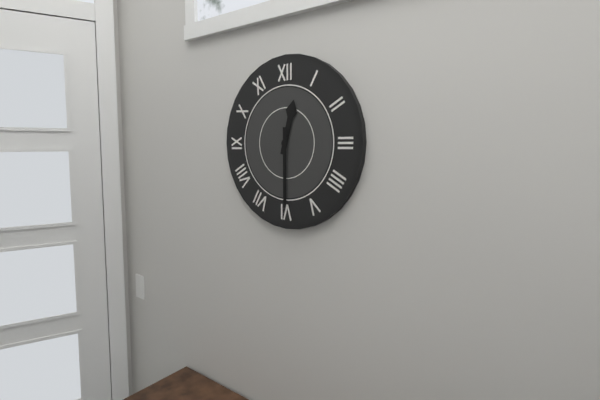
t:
12,30
